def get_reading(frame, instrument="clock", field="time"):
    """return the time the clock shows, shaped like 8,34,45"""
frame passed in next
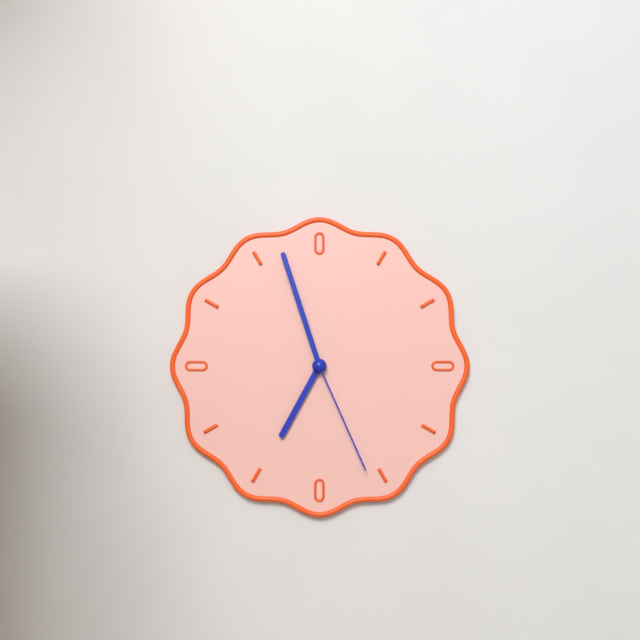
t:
6,57,26
